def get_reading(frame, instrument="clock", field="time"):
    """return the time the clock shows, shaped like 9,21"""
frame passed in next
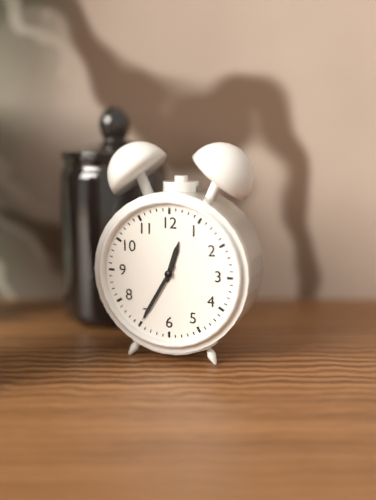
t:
12,35
